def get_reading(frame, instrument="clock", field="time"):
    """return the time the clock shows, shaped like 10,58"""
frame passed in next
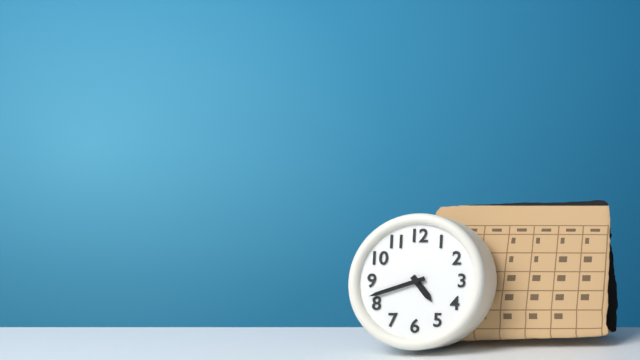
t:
4,42
